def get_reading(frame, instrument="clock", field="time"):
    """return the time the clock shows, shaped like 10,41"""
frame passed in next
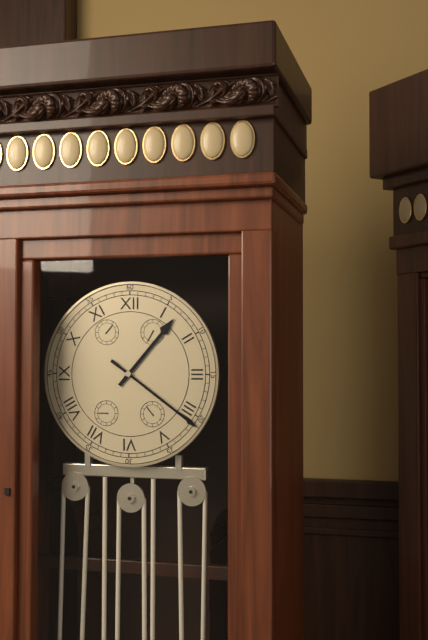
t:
1,21
